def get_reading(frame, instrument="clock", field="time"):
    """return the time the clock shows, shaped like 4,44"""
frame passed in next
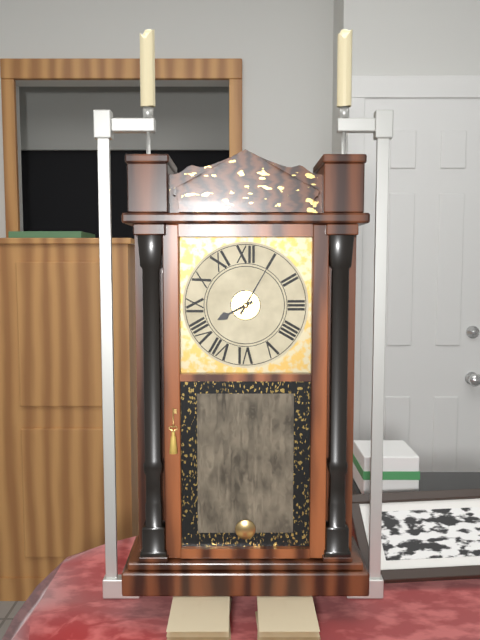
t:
8,05
